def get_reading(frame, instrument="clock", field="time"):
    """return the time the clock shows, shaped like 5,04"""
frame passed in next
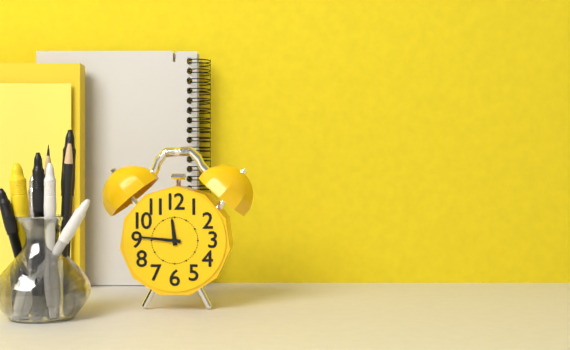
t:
11,46
